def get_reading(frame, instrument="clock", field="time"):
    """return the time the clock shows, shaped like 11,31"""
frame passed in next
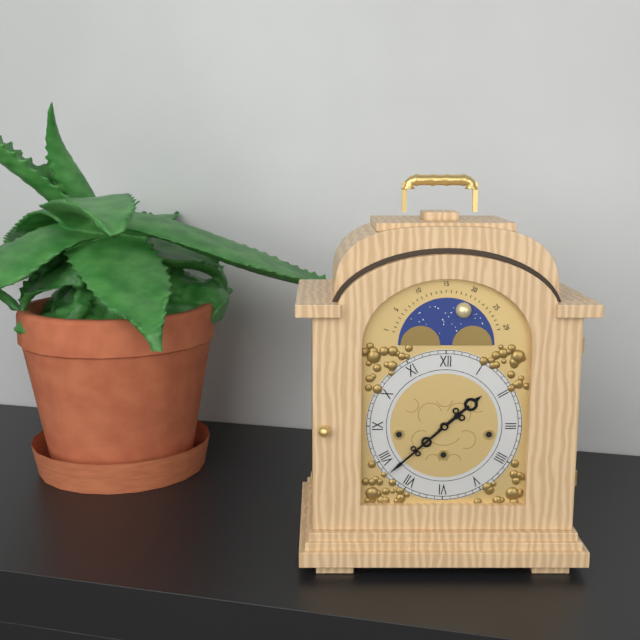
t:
1,38
